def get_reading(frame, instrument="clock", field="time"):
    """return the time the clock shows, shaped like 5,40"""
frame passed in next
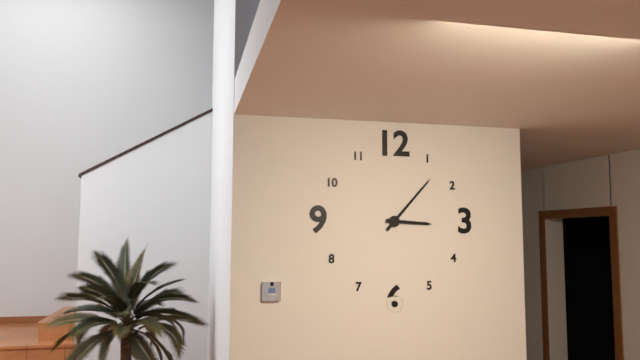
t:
3,07
